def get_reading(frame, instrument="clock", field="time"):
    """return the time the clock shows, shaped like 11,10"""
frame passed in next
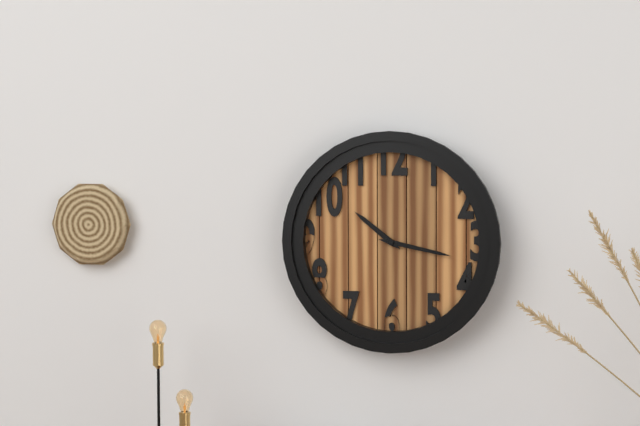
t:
10,17
